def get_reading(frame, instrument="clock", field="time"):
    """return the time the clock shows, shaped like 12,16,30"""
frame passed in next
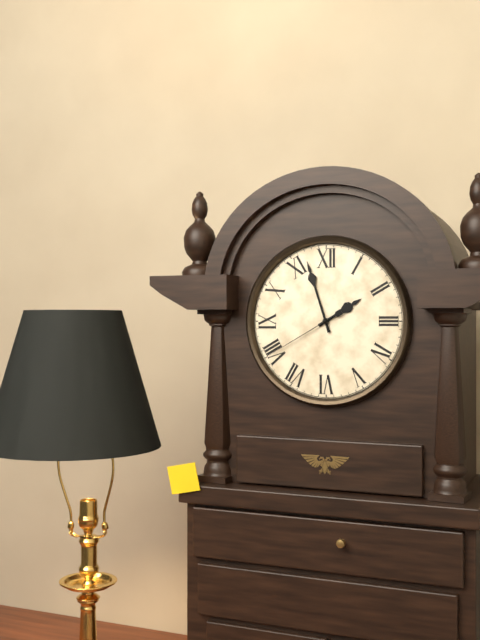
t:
1,57,40
